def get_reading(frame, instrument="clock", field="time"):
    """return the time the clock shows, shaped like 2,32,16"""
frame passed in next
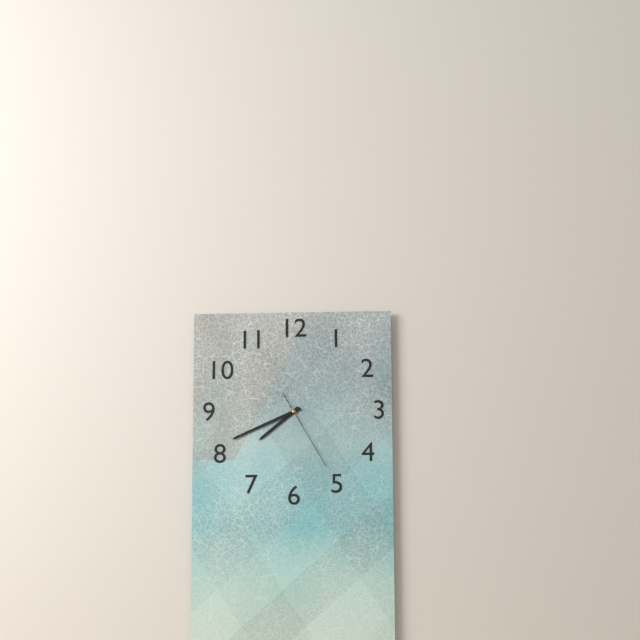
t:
7,41,25
